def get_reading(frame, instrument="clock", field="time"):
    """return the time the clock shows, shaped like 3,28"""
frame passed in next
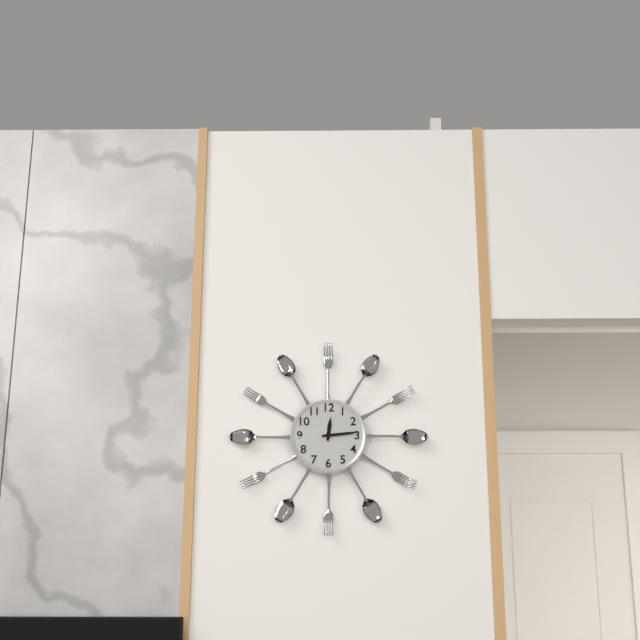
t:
12,14
